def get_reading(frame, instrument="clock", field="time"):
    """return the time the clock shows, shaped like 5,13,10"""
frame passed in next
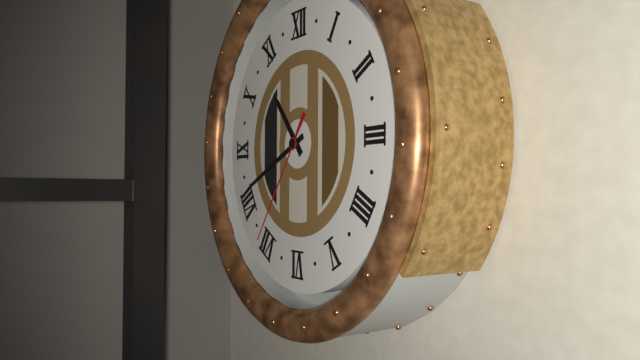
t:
10,41,36
